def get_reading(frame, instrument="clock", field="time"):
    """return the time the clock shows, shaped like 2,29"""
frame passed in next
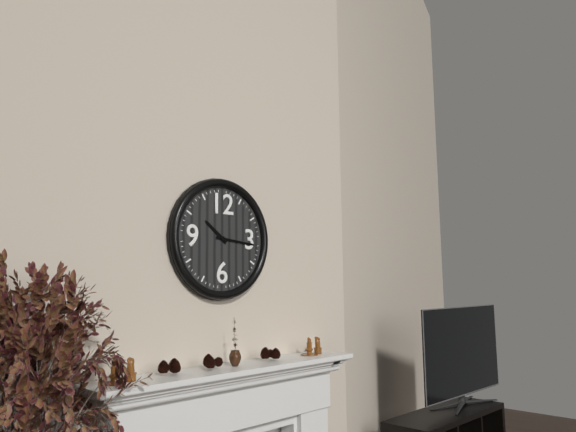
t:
10,16
